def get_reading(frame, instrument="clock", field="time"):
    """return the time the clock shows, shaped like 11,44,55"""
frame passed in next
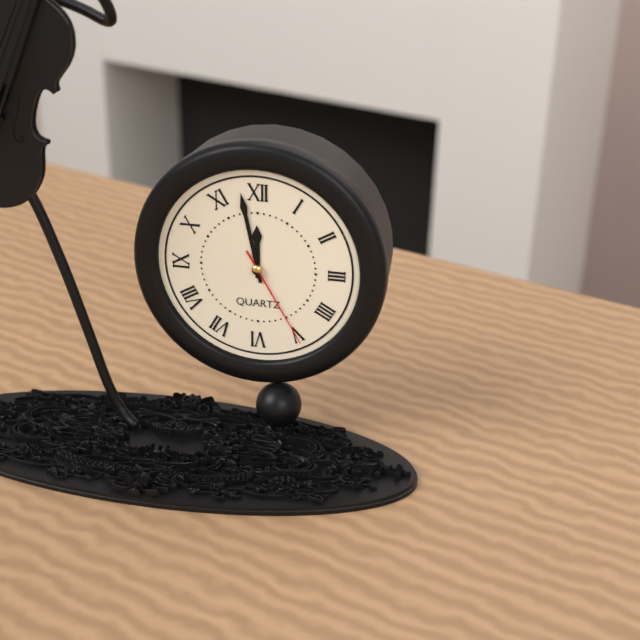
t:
11,58,25
